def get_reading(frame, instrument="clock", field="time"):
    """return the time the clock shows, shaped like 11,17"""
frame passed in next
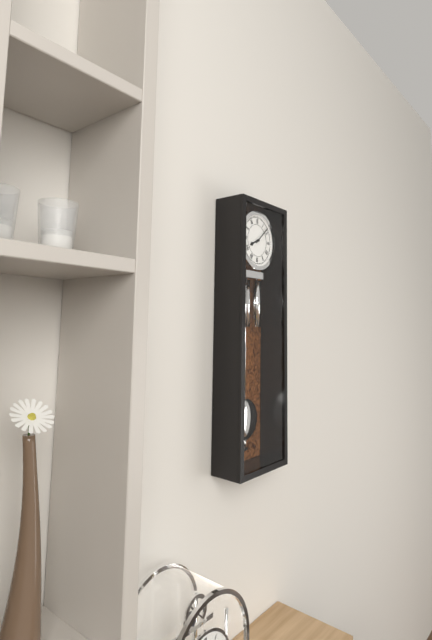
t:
8,08
